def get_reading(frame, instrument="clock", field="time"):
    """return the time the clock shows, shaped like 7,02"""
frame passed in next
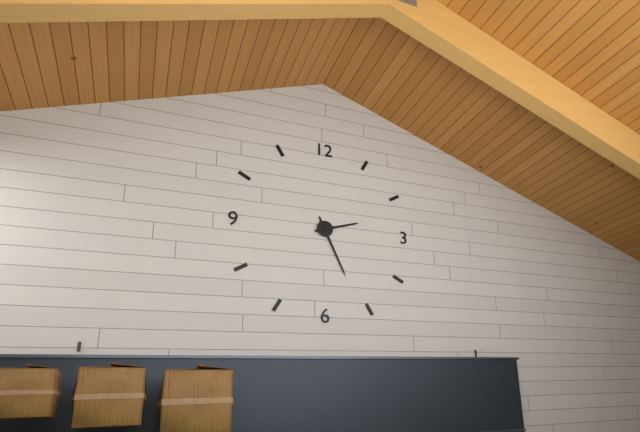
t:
2,26
